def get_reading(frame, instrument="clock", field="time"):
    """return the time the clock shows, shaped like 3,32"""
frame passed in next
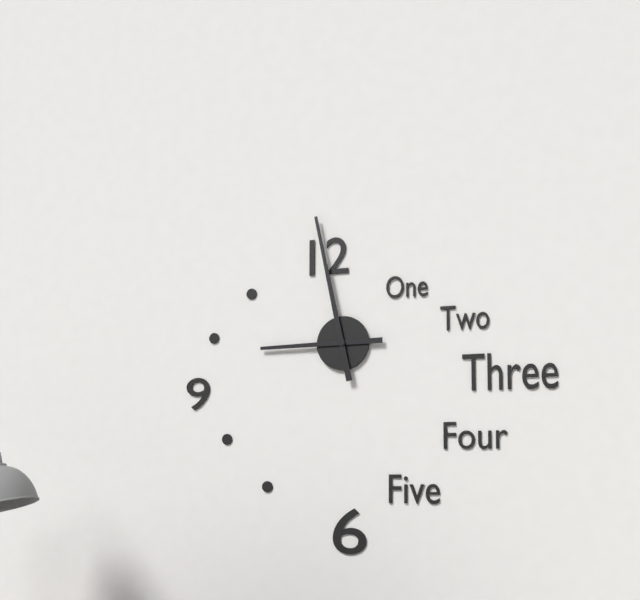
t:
8,58
